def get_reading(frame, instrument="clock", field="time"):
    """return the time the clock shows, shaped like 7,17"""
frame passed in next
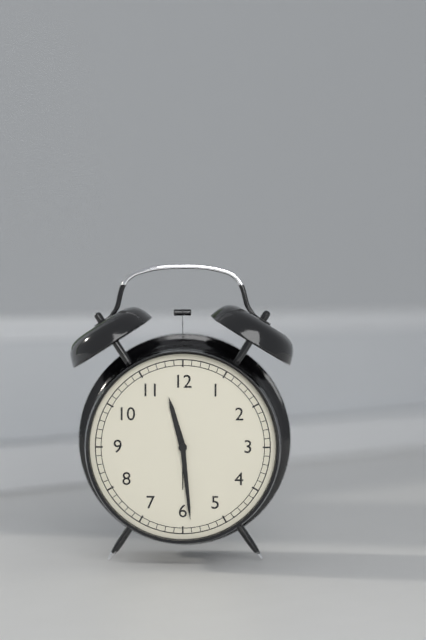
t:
11,29
